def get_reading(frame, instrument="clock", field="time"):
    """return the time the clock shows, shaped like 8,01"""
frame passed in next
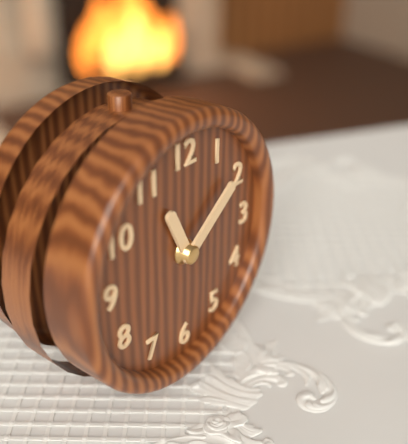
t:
11,09
